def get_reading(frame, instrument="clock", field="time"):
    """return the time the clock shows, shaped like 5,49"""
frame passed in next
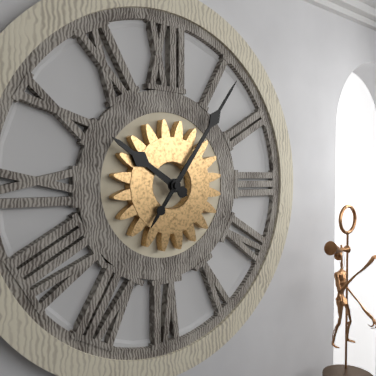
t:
10,06
